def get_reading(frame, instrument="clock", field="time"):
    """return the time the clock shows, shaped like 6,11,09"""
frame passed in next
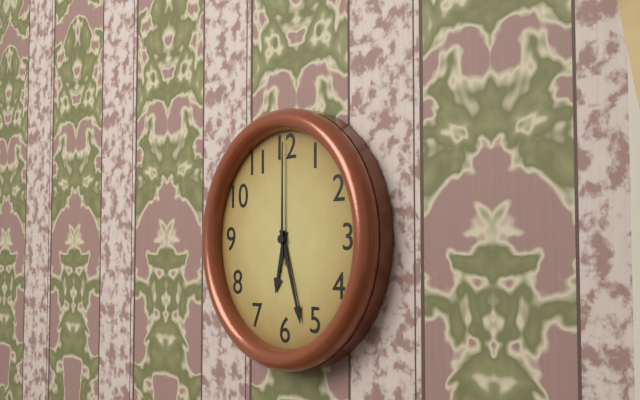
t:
6,27,00
